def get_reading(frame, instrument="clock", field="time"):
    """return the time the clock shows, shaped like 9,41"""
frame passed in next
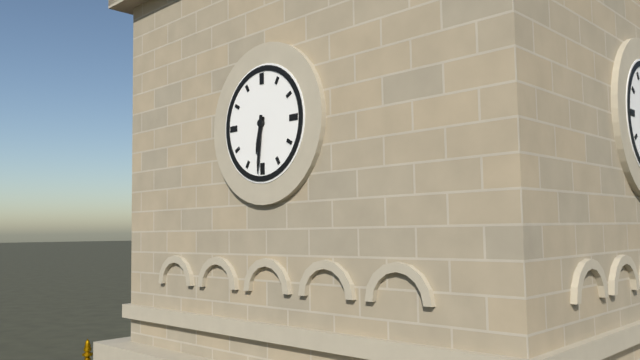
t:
6,31
